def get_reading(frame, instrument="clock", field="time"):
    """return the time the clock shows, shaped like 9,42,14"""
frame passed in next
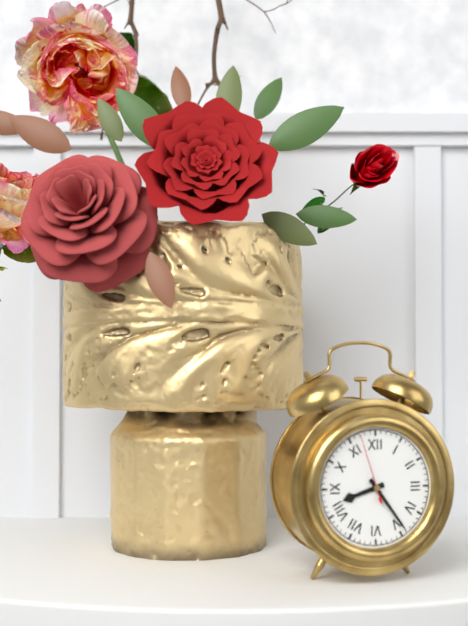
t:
8,24,57
